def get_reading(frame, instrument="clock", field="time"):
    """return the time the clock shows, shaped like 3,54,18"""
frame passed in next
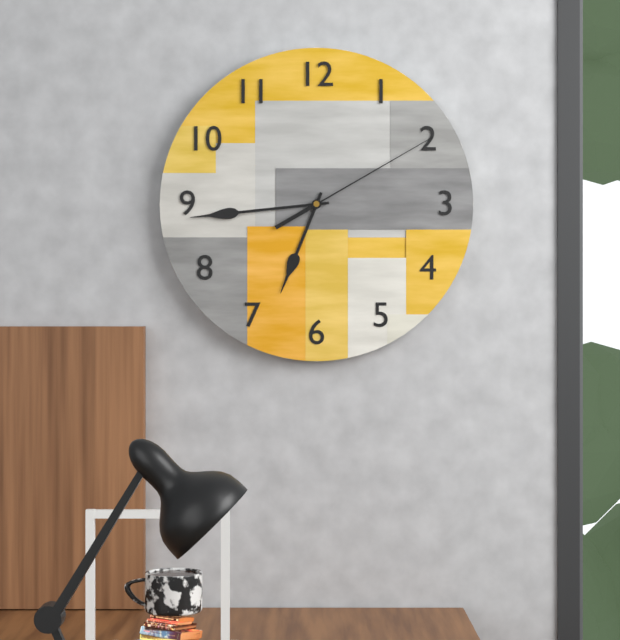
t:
6,44,10
